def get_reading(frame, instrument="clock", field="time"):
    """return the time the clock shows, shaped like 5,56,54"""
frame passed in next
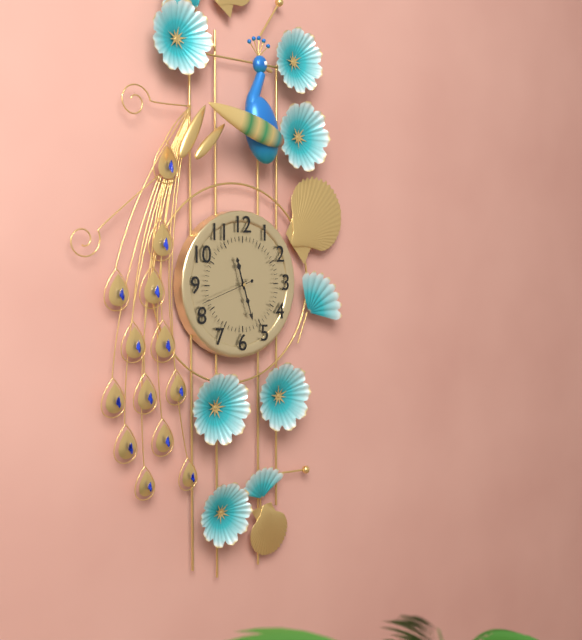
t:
11,27,42
